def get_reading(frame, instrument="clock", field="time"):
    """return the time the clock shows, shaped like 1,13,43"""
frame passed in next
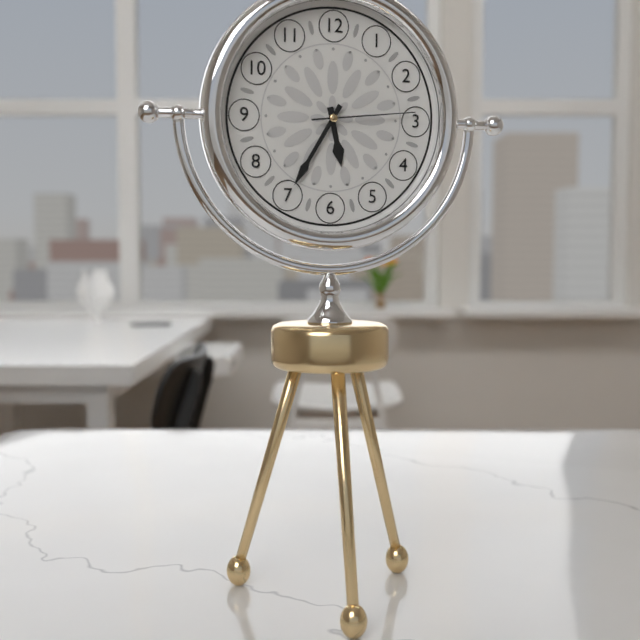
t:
5,35,14
